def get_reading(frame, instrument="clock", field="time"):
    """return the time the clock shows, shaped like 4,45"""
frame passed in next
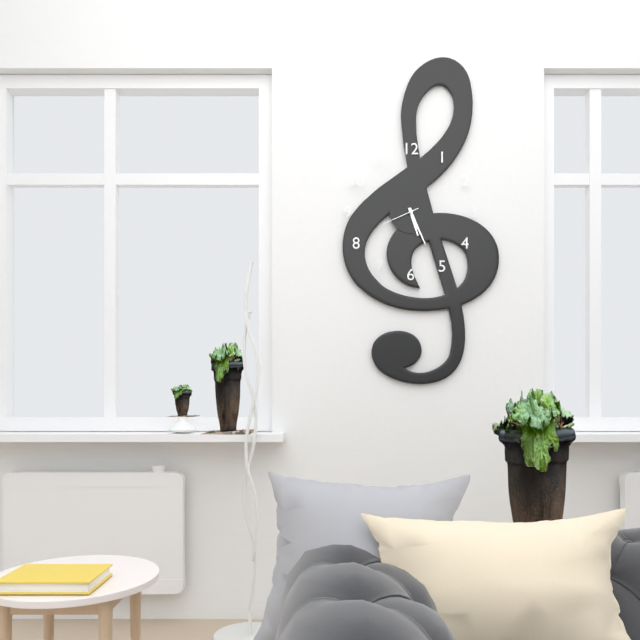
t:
5,26
